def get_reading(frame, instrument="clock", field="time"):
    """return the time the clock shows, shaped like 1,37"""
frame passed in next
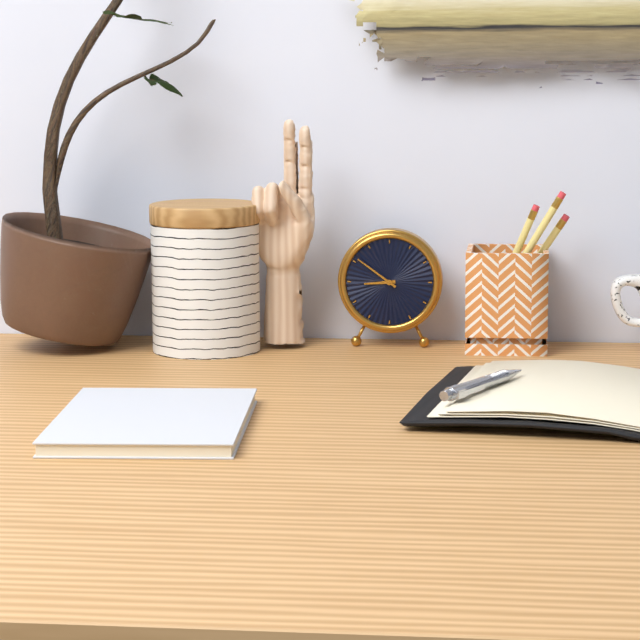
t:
8,51
